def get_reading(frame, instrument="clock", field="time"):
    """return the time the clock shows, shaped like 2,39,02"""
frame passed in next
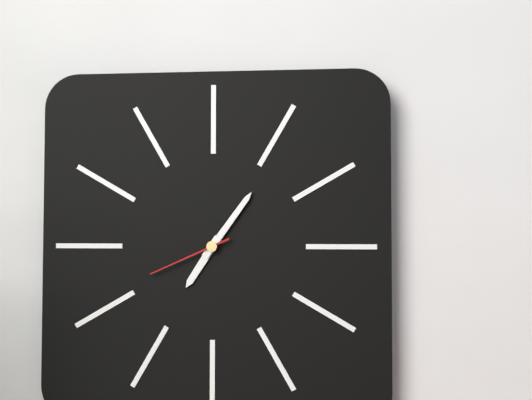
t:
7,06,41
